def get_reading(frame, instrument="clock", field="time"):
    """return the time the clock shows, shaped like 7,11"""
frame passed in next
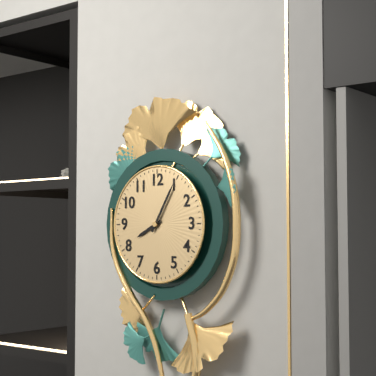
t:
8,05
